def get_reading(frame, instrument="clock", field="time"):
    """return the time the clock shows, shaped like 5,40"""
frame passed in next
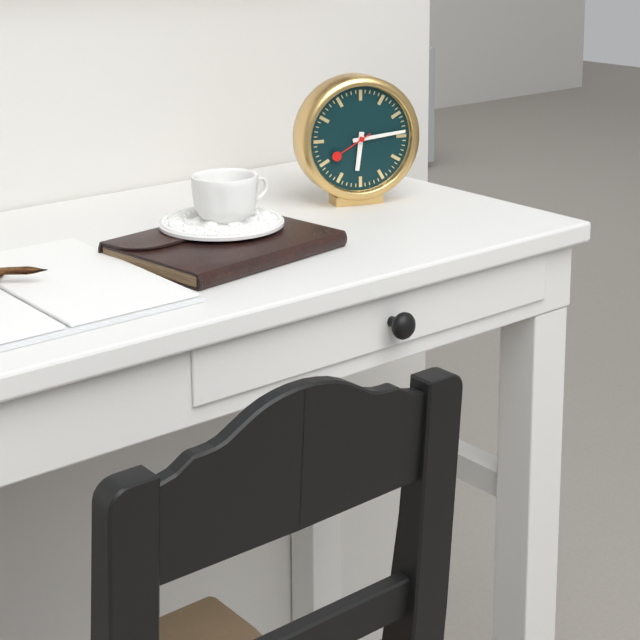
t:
6,14
